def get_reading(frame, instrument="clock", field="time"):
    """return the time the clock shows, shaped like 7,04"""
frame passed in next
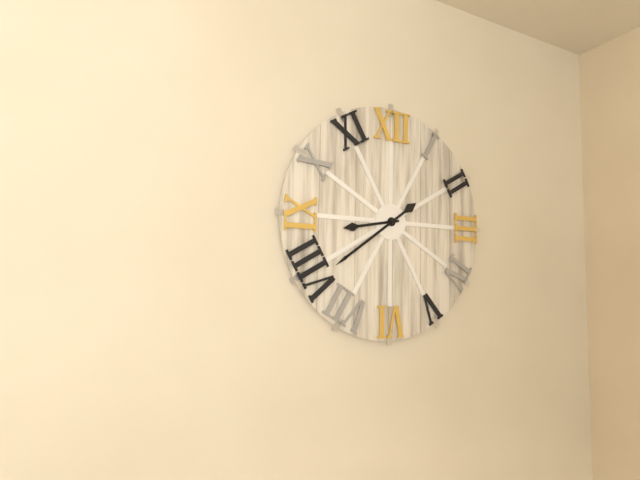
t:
8,39
